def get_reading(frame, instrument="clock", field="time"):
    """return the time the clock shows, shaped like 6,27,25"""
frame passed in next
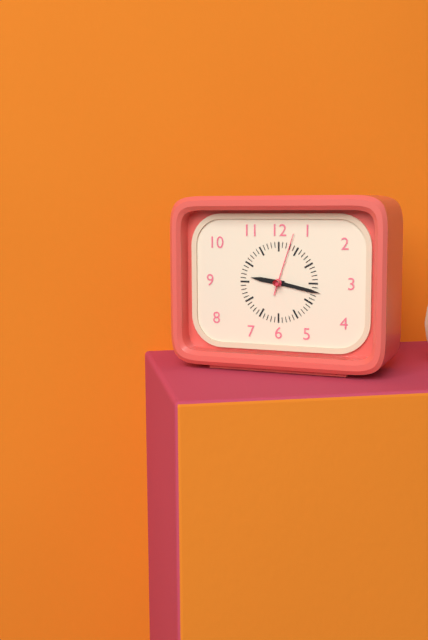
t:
9,17,03
